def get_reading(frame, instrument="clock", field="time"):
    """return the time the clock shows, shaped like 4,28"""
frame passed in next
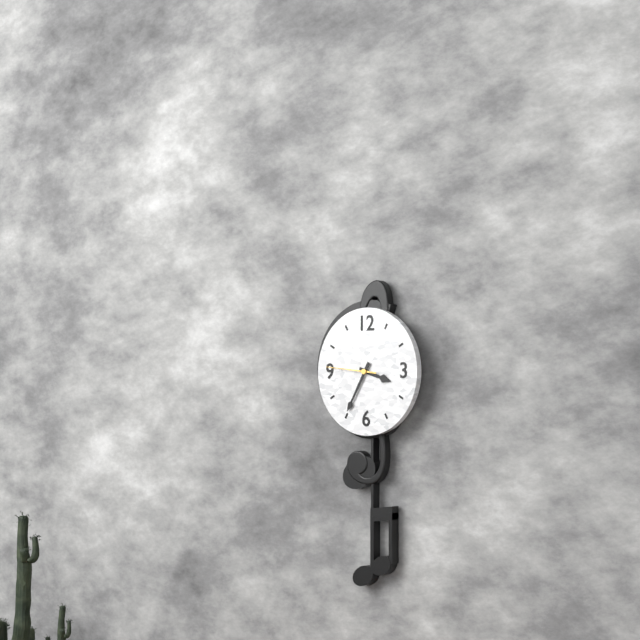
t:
3,35
